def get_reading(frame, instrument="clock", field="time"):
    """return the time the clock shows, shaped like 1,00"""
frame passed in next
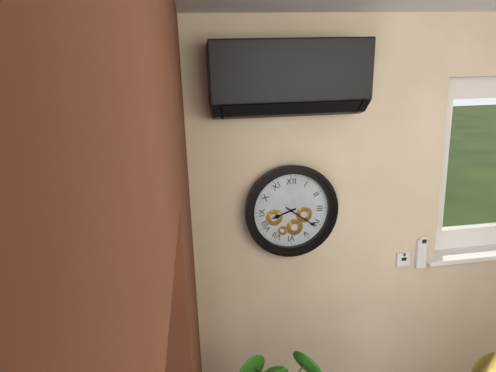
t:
8,21
